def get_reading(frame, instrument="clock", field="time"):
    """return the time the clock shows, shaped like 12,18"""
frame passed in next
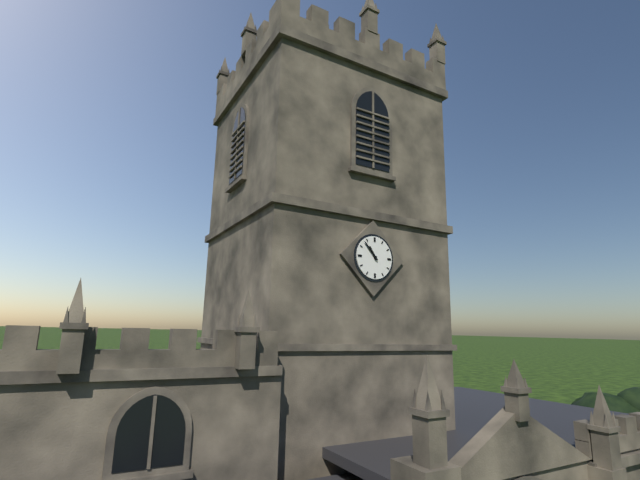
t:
10,53
